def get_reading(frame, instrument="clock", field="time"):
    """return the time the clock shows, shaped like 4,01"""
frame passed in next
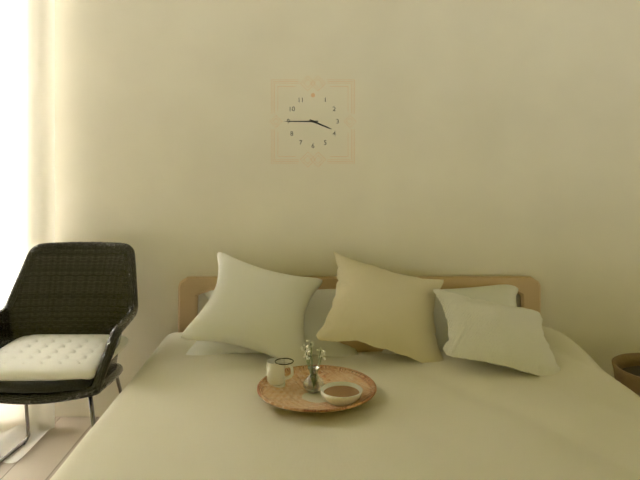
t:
3,45
